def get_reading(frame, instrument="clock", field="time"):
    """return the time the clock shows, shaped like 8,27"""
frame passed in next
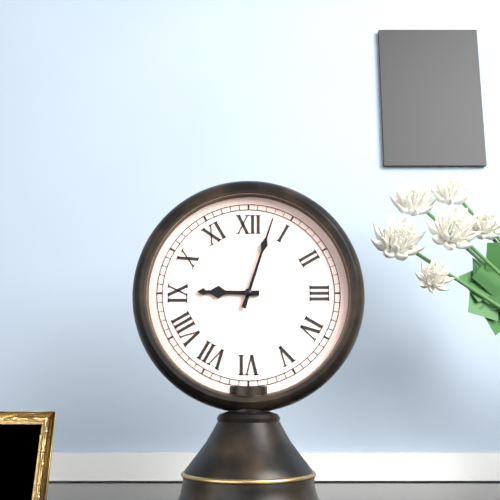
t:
9,03
